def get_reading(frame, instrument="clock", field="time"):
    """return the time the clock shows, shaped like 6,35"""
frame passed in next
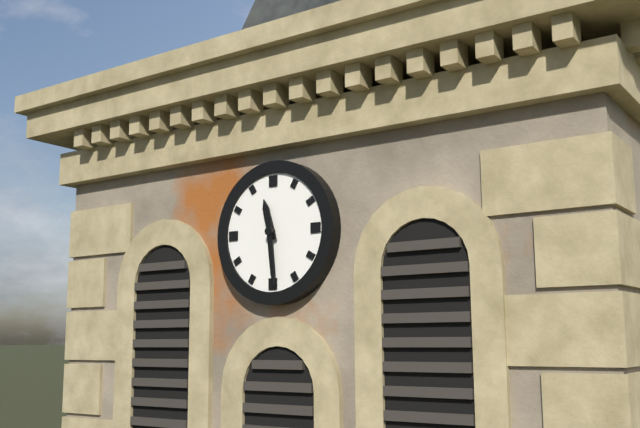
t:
11,29
